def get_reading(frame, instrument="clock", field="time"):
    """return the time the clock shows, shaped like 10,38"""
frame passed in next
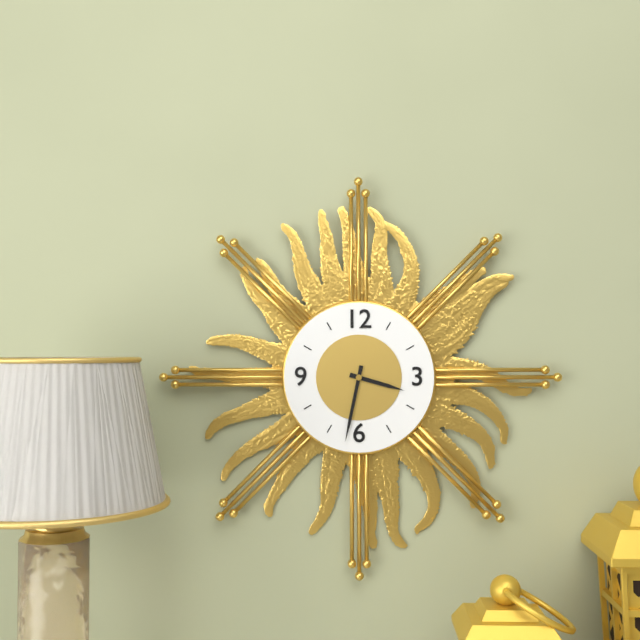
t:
3,32
